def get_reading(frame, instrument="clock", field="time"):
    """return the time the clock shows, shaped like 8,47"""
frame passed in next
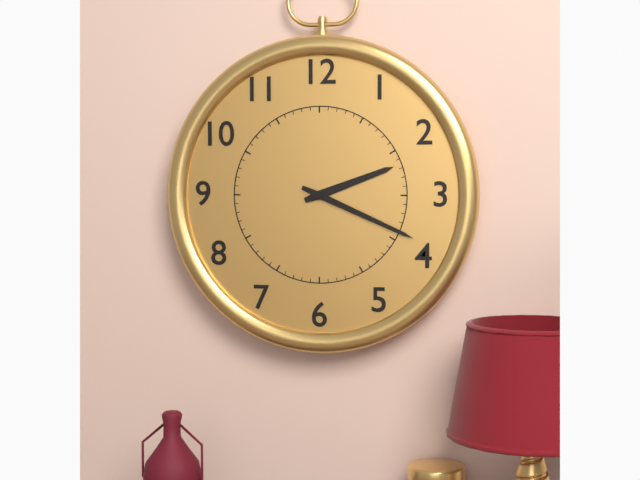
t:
2,19
